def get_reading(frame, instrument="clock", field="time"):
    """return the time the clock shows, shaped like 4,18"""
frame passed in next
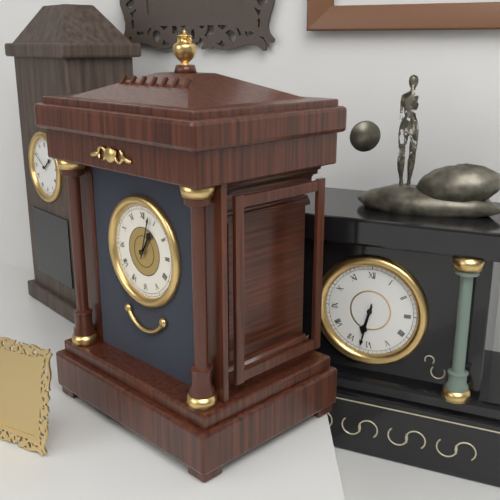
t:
1,03
